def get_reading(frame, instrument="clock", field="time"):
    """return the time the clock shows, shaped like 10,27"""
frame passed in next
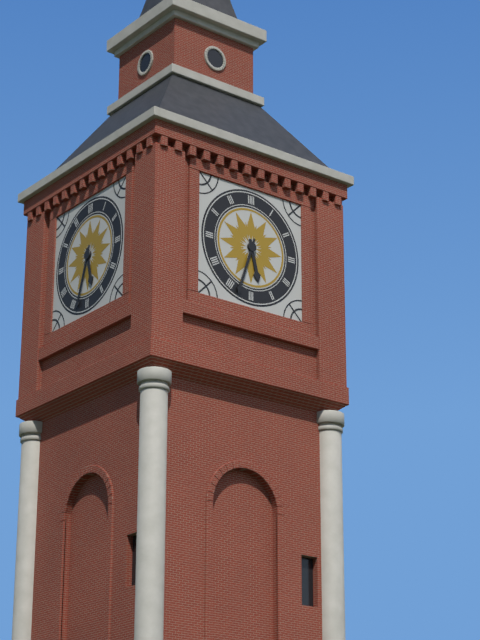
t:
5,33
